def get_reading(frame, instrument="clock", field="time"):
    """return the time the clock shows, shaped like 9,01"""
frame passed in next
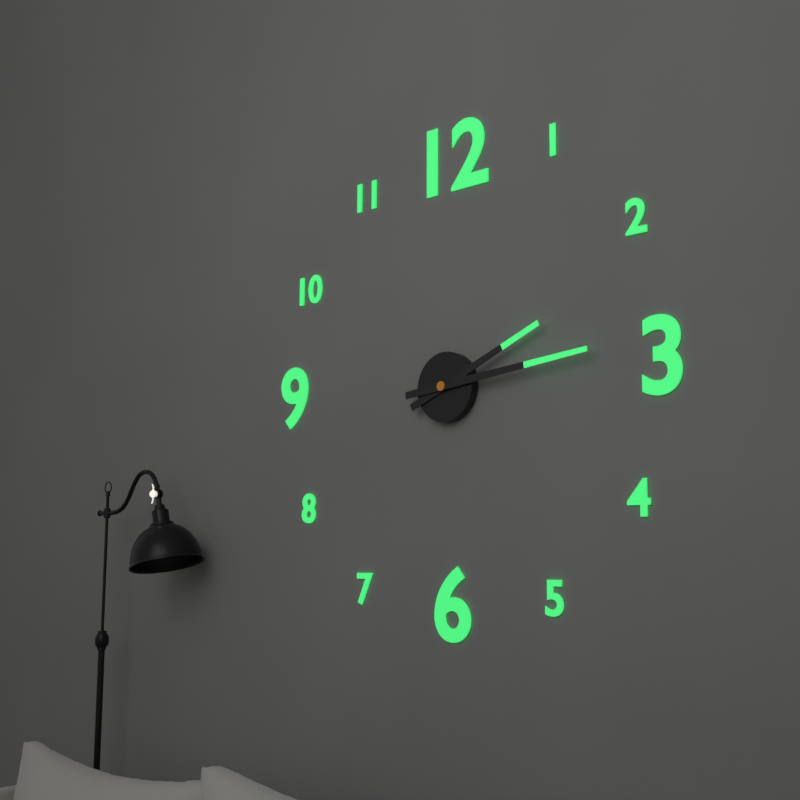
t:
2,14
